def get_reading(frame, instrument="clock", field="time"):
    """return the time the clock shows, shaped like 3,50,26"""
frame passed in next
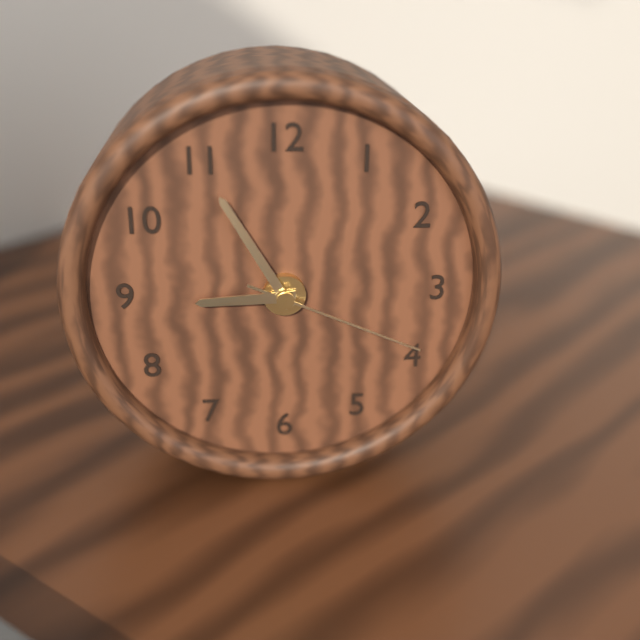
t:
8,55,19
